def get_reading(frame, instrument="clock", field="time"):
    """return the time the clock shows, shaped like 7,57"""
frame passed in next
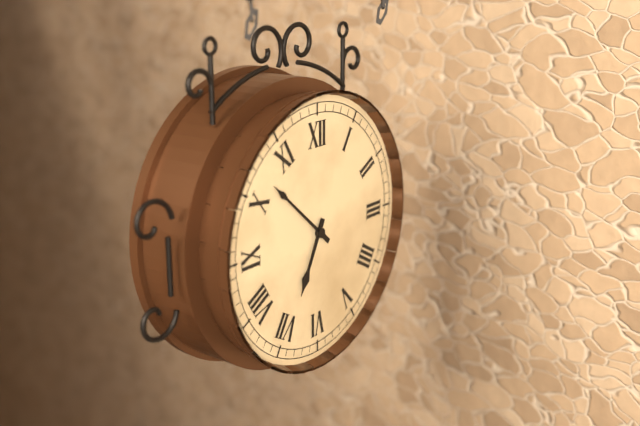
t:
6,52
